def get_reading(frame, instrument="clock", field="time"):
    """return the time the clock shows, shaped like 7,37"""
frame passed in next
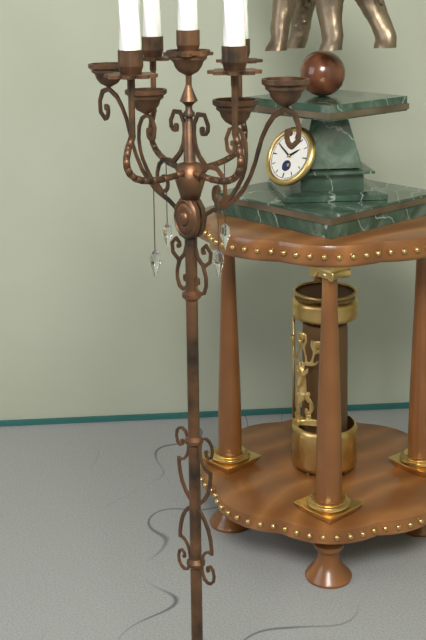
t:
1,50
